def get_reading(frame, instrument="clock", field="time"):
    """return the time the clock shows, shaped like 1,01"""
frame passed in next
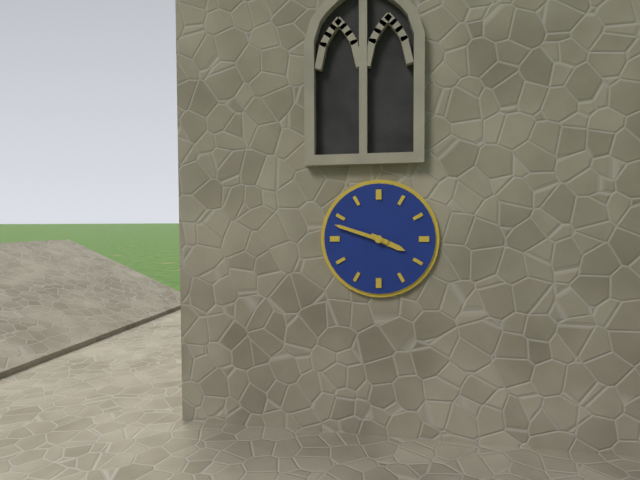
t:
3,48
